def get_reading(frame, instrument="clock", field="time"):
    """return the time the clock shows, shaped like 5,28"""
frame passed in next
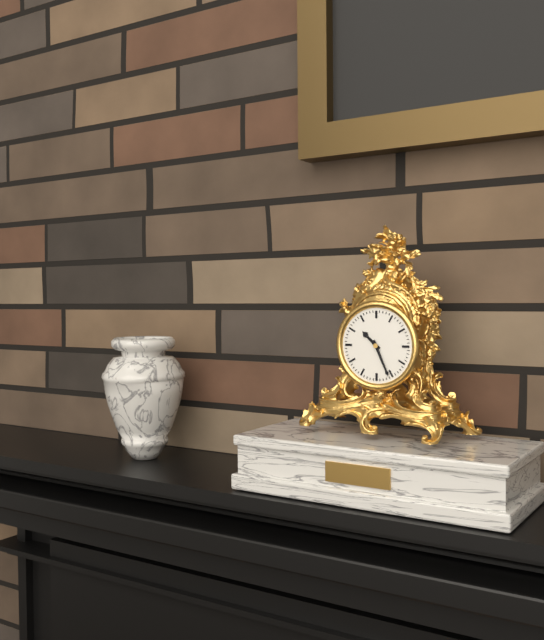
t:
10,26
